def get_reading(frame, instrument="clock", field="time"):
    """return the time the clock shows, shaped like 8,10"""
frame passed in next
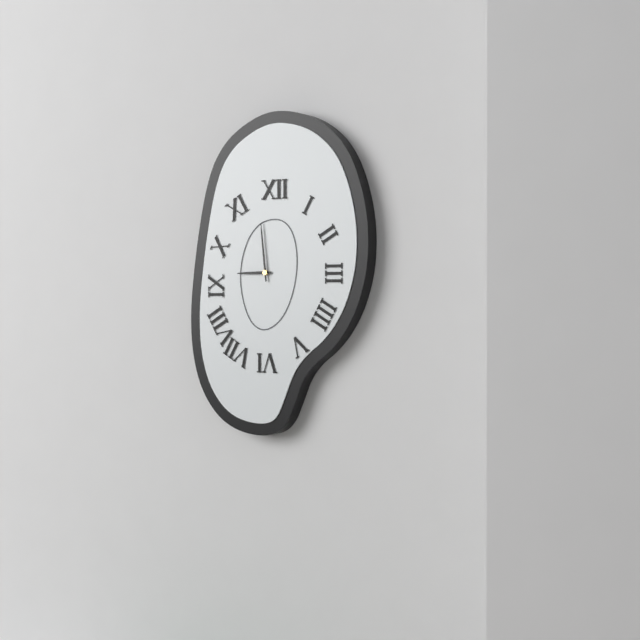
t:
8,59
